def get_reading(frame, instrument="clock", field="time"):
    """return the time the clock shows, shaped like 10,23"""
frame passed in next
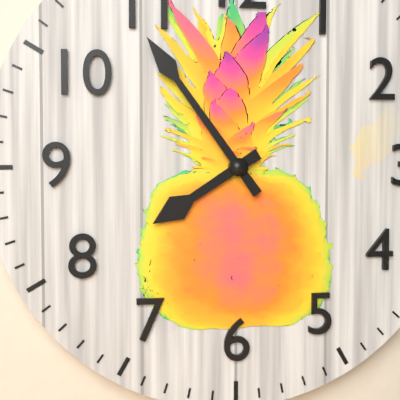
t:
7,54
